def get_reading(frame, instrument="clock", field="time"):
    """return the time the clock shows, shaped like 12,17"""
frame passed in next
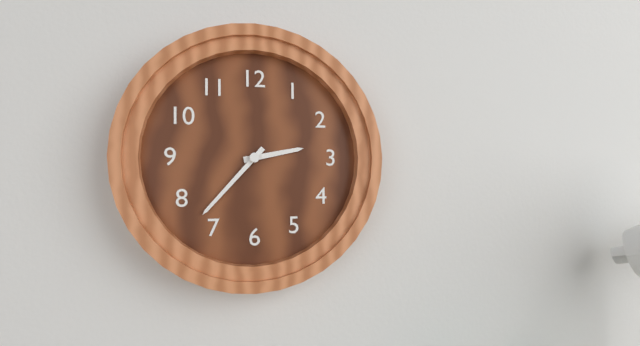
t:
2,37
